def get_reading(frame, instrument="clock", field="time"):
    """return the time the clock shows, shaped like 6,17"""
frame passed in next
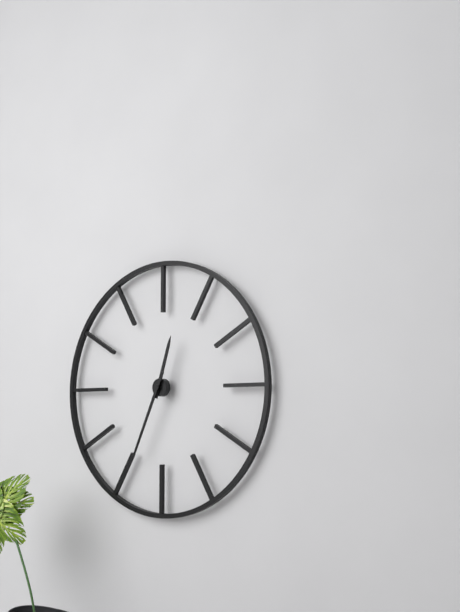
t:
12,34
